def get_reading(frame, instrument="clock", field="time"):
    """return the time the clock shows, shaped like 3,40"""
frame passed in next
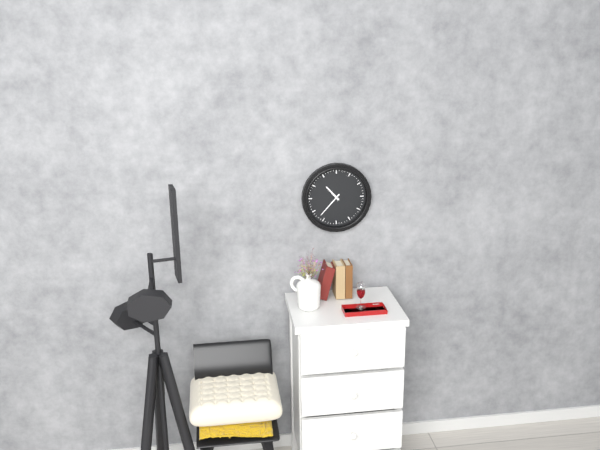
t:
10,37
